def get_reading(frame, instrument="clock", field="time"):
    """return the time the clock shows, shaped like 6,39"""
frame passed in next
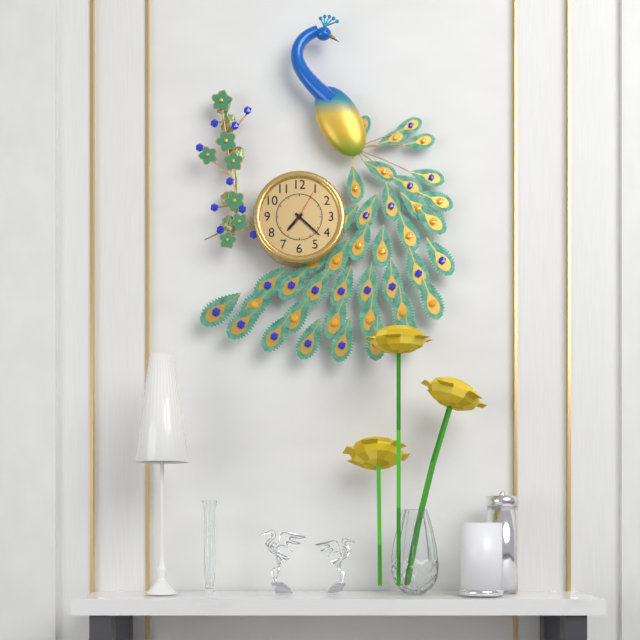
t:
7,22
